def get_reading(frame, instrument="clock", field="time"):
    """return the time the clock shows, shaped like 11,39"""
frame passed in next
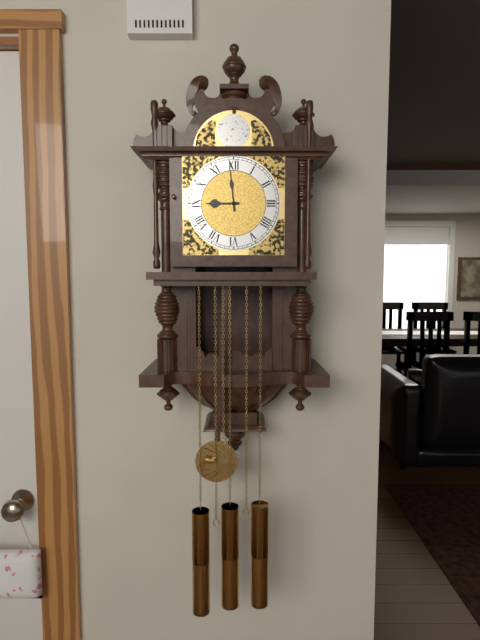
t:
8,59
